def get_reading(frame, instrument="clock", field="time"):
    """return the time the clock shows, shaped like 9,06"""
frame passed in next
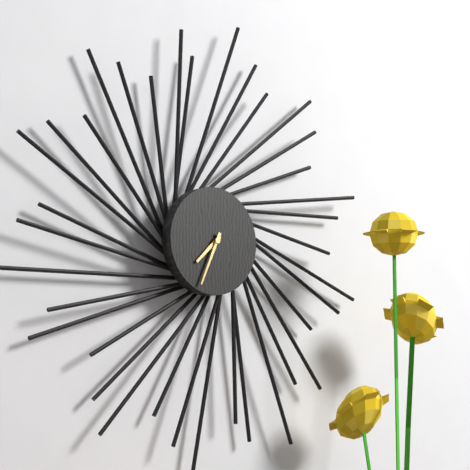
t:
7,34
